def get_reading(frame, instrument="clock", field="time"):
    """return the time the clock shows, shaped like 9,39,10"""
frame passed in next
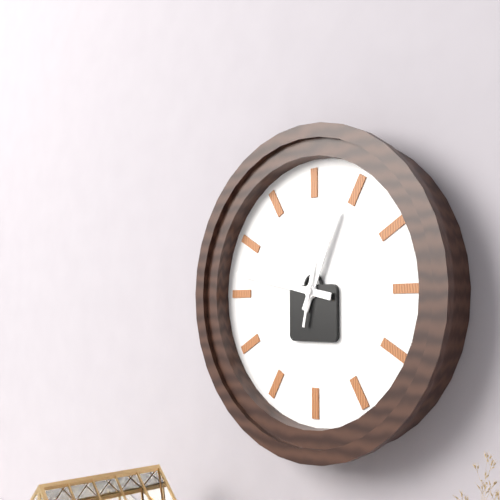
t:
12,47,02
